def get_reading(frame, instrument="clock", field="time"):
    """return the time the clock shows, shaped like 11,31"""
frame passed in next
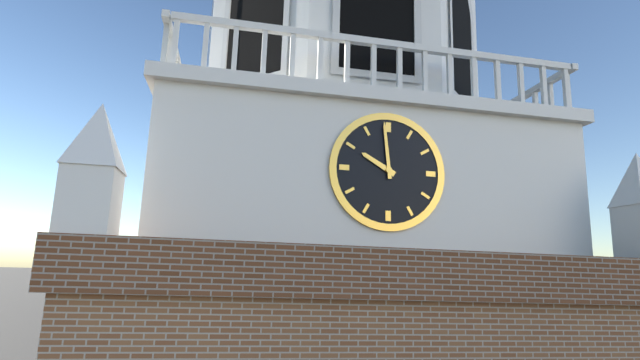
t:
9,59
